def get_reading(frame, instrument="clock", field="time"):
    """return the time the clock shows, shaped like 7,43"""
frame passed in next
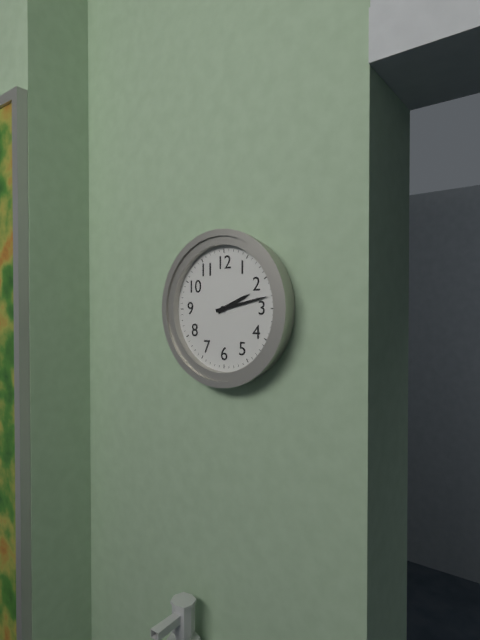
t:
2,13
